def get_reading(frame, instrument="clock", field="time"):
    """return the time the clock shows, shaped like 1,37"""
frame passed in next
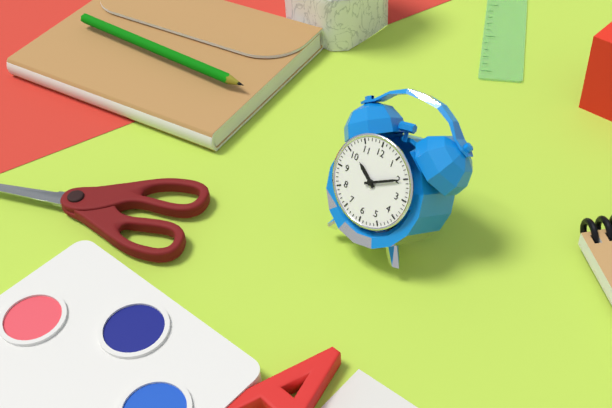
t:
10,10
